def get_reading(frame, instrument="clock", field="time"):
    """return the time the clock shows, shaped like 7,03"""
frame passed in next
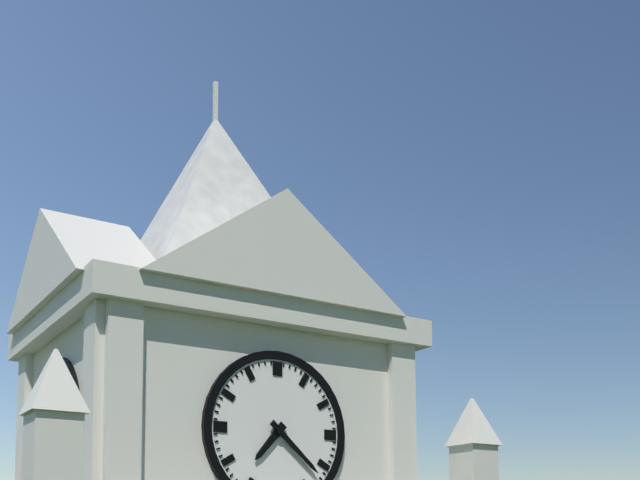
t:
7,22
